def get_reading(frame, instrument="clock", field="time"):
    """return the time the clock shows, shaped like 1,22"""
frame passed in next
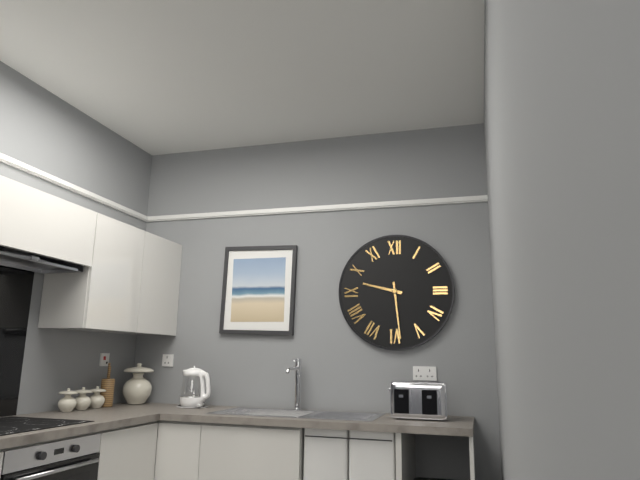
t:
9,29
